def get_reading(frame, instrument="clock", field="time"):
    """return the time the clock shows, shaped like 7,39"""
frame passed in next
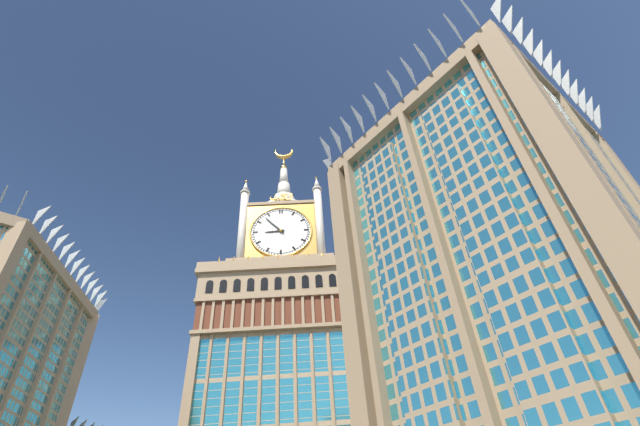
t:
8,53
